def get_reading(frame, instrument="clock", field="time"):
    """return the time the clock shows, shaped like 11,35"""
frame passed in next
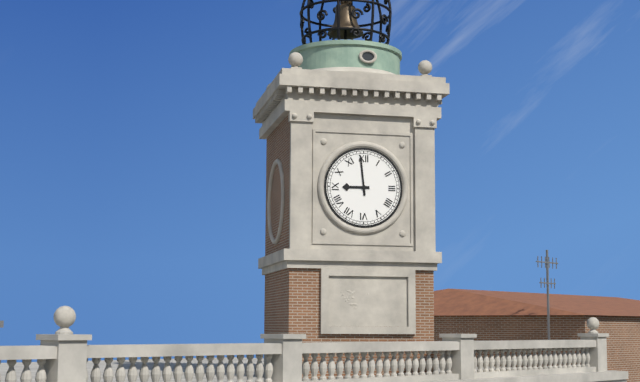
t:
8,59
